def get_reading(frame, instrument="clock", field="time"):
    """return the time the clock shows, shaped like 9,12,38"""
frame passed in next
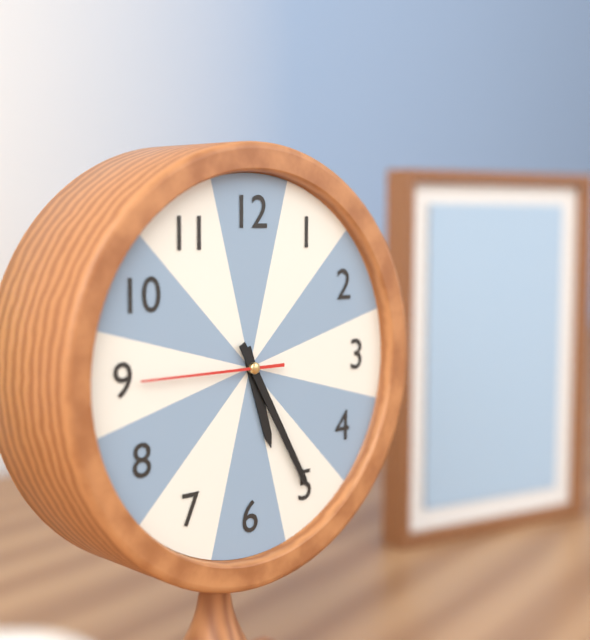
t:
5,25,45
